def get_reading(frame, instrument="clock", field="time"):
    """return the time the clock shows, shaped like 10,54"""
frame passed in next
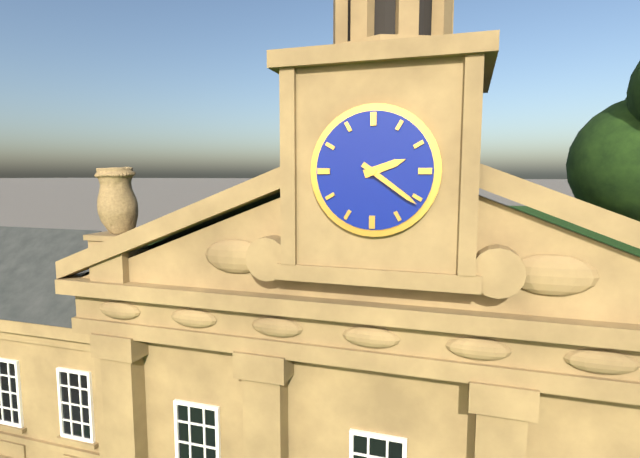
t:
2,21
